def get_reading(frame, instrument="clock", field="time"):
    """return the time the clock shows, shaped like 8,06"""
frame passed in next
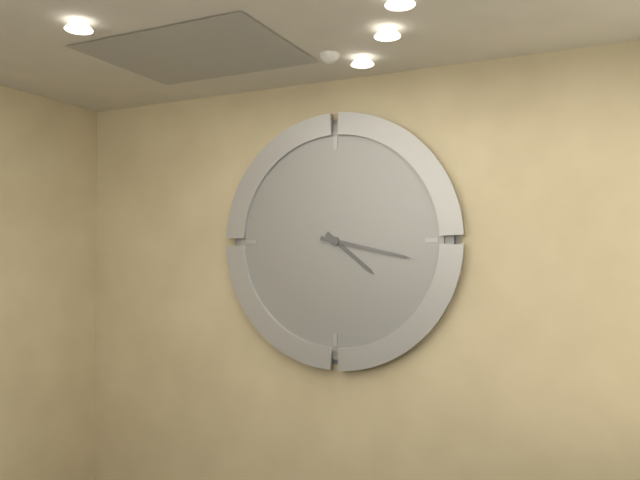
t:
4,17
